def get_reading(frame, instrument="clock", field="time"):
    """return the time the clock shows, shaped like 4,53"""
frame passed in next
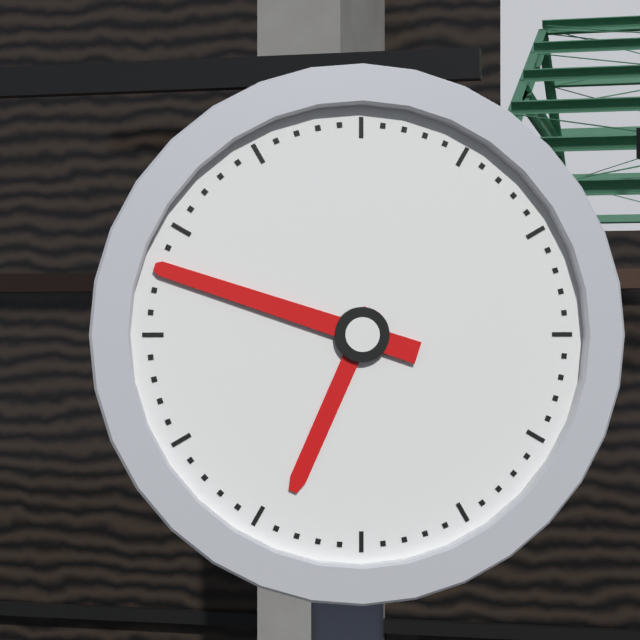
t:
6,48
